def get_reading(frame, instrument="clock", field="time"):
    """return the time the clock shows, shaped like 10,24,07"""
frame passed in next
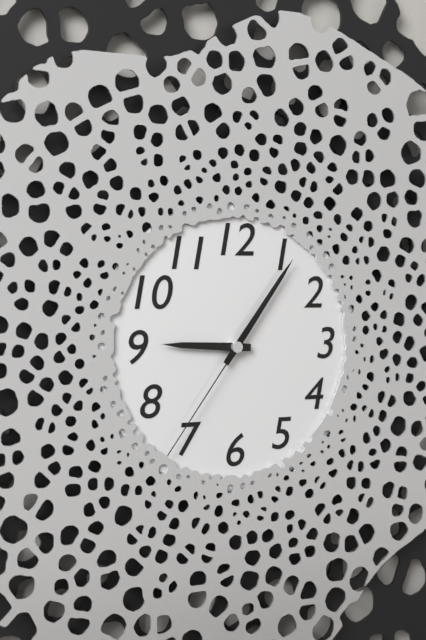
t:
9,06,36
